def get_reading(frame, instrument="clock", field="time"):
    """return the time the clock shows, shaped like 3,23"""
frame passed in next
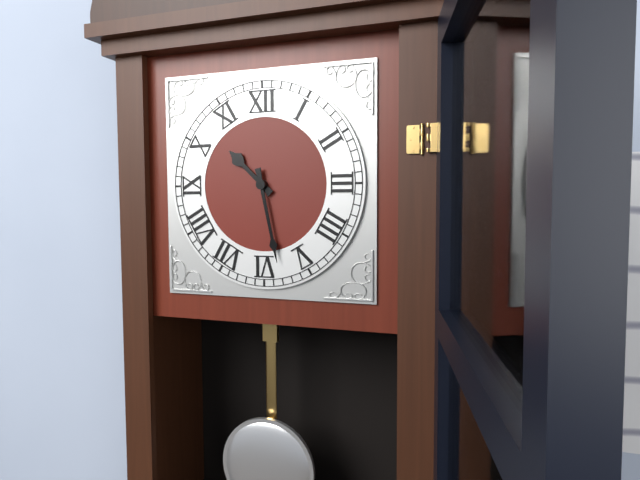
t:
10,28
